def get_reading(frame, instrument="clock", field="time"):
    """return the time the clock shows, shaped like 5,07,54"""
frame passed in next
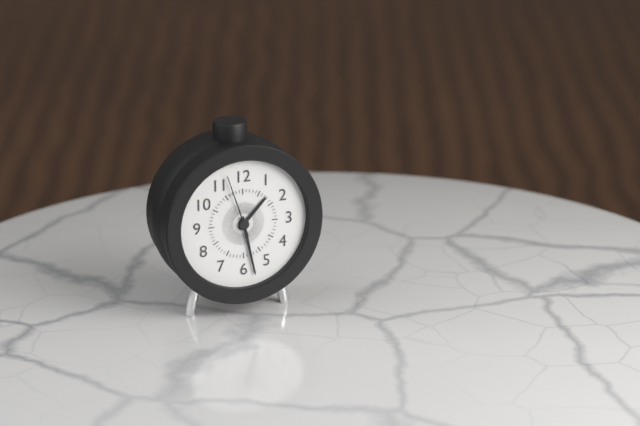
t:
1,28,57
